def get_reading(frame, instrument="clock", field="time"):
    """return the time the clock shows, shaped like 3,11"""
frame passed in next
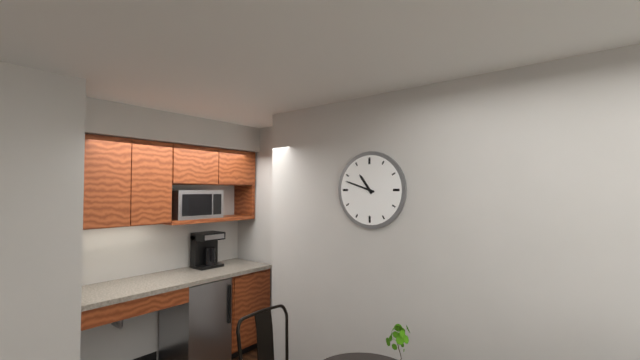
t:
10,48
